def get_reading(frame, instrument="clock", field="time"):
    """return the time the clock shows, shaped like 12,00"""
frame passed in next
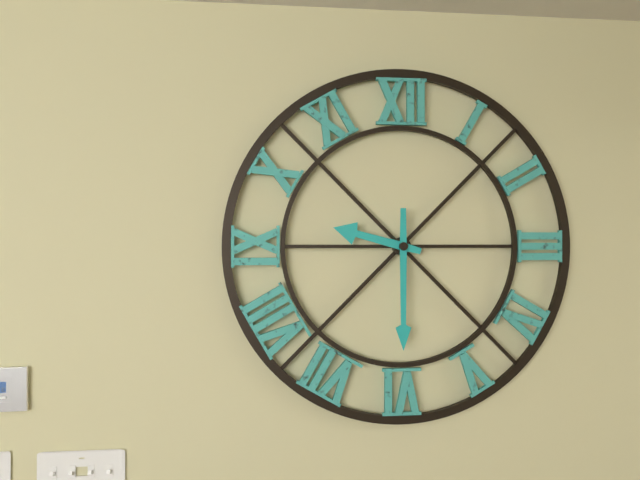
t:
9,30
